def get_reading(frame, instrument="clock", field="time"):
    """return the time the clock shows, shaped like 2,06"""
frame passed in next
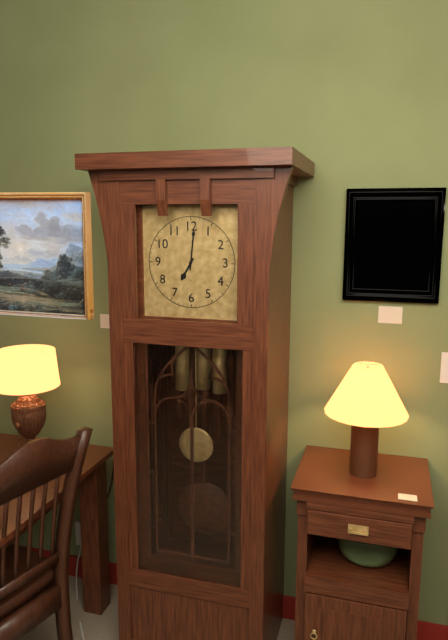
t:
7,01
